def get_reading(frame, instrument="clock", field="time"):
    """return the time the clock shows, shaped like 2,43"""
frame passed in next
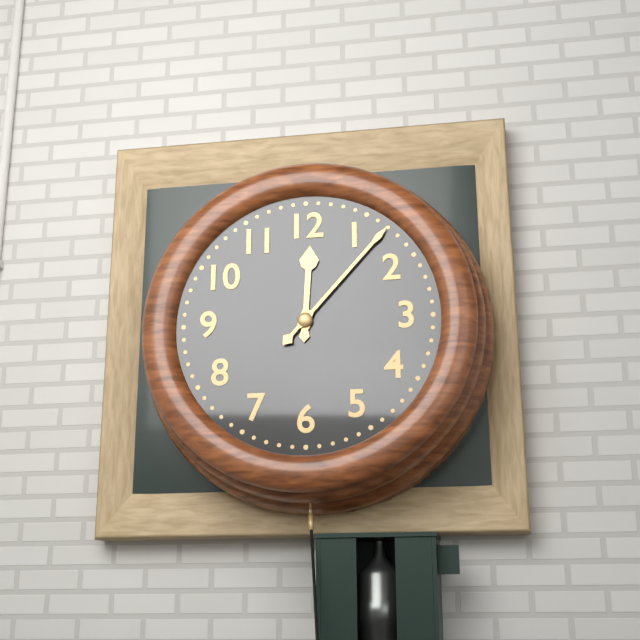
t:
12,07
